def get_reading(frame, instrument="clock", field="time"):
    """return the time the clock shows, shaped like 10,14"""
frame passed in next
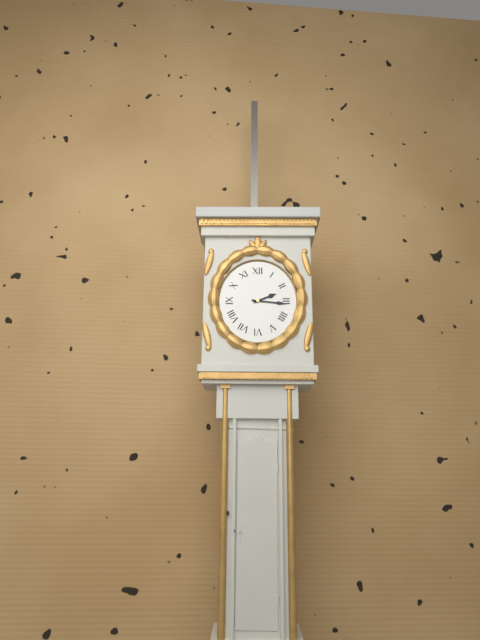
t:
2,16
